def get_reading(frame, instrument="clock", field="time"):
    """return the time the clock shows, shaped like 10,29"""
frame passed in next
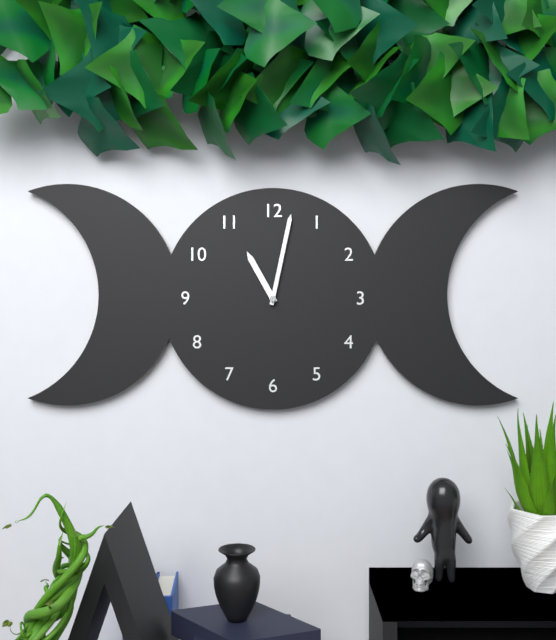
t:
11,02
